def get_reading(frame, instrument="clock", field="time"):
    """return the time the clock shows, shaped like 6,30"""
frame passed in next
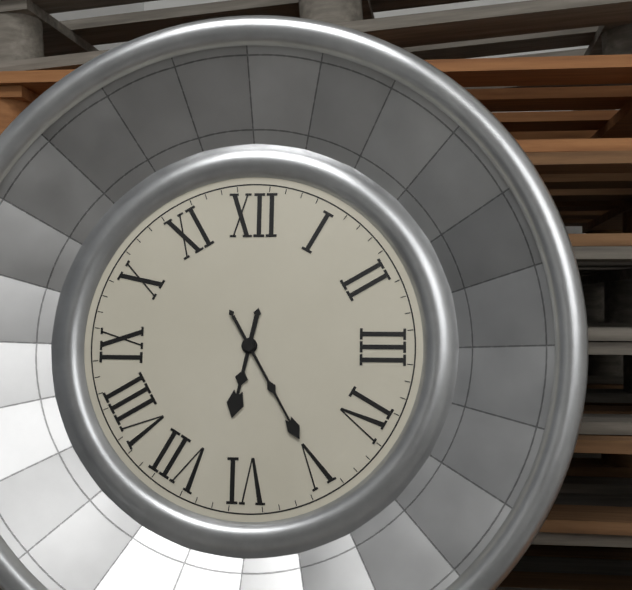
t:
6,25
